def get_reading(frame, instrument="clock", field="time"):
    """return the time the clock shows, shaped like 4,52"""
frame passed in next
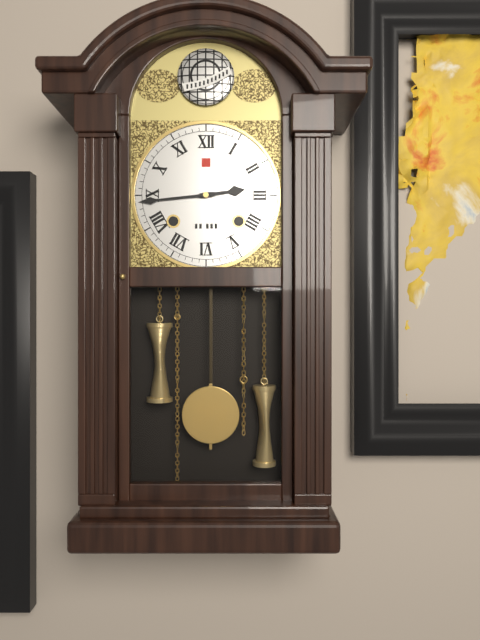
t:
2,44
